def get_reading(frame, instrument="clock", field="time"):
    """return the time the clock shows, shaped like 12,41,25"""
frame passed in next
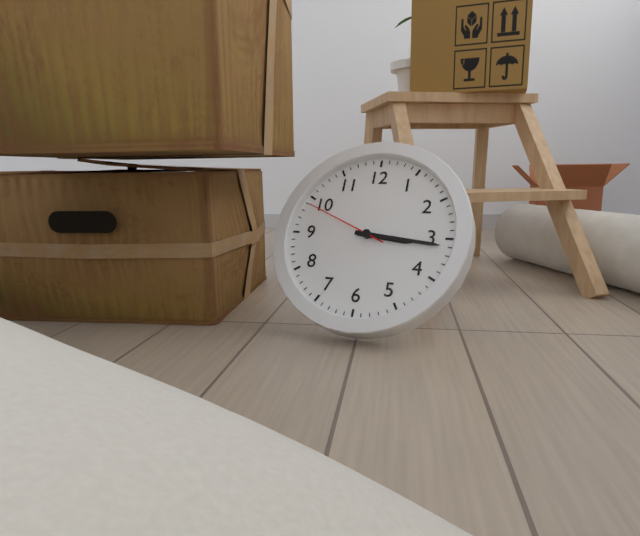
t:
3,16,49
